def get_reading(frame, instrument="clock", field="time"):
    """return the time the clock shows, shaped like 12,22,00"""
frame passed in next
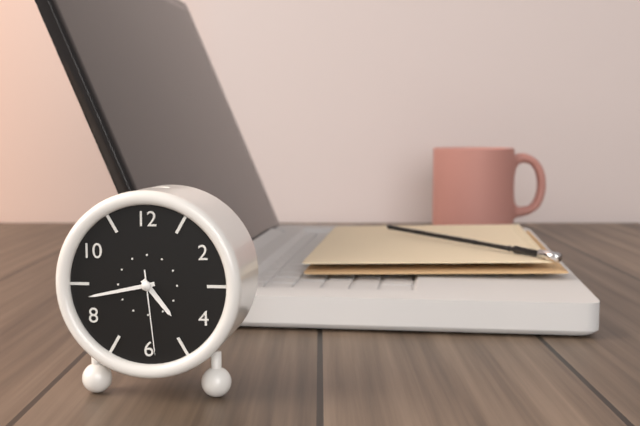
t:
4,43,29
